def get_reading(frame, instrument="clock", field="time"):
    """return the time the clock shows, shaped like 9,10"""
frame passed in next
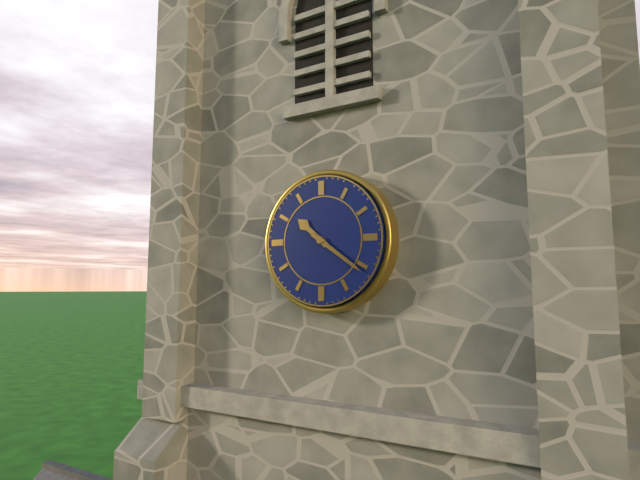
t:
10,21
